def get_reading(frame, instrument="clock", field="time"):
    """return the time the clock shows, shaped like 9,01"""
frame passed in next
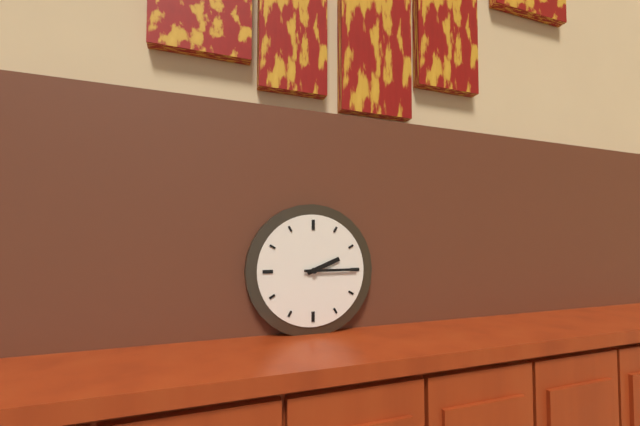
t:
2,15
